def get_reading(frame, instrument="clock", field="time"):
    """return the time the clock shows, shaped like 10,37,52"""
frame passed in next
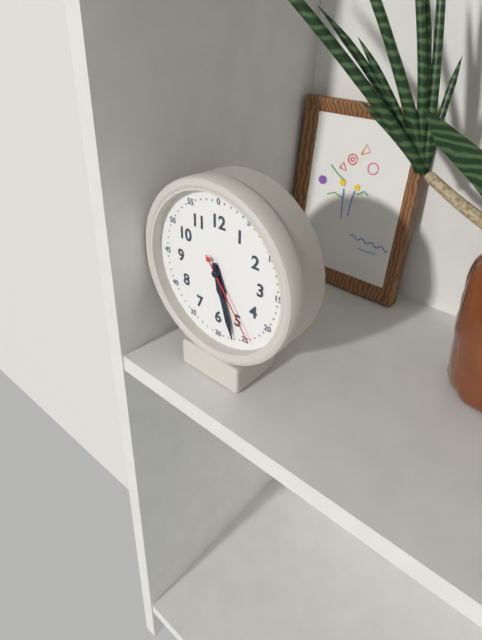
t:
5,27,24
